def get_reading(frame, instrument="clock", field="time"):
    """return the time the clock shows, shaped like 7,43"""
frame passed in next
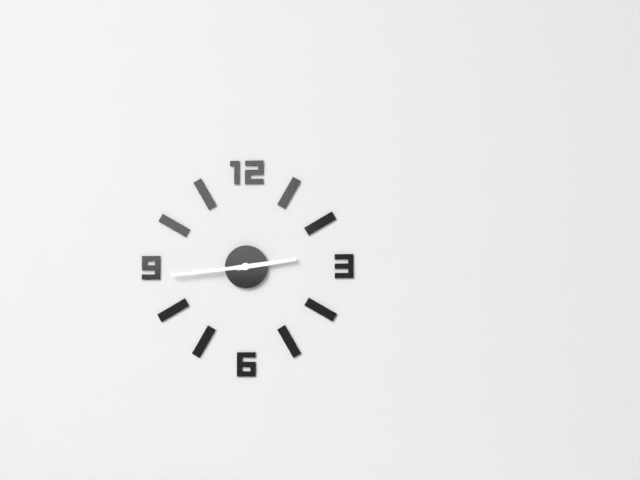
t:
2,44
